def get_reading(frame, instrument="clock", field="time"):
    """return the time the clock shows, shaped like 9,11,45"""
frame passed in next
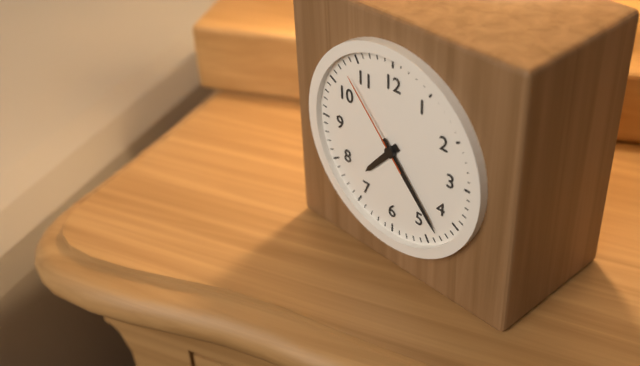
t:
7,23,53
